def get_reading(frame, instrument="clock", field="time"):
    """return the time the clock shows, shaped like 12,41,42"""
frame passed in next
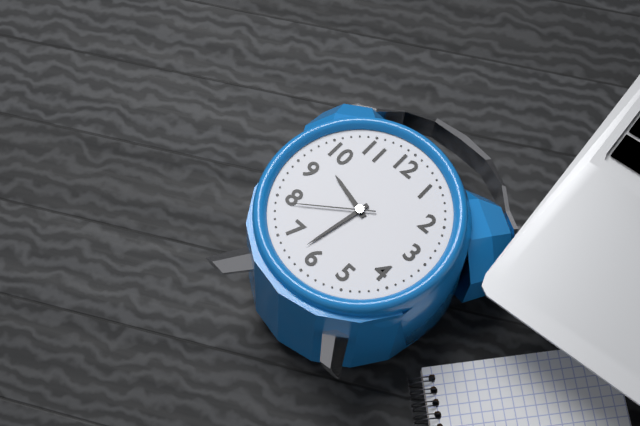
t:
9,32,39
